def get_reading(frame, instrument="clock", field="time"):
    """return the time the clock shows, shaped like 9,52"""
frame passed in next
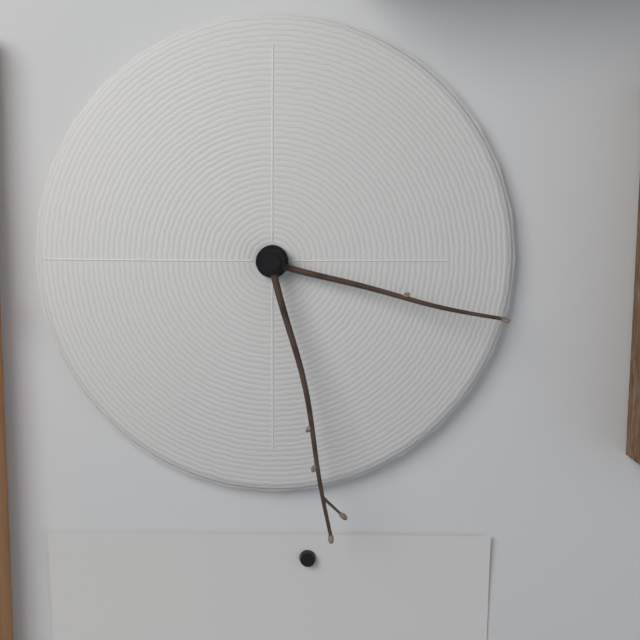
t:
3,28
